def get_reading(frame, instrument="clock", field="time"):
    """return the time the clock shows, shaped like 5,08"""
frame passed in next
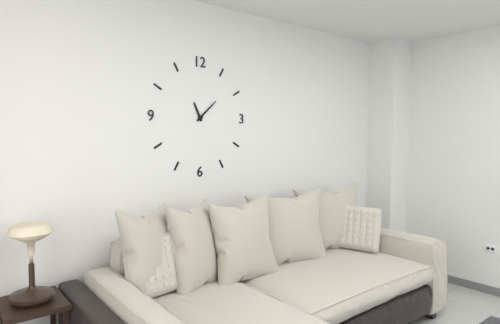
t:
11,08
